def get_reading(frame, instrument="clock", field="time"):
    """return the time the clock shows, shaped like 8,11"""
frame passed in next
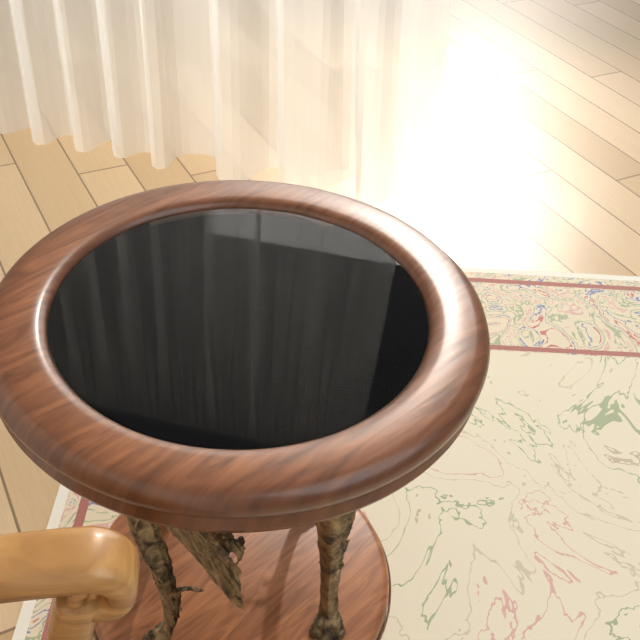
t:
9,47
